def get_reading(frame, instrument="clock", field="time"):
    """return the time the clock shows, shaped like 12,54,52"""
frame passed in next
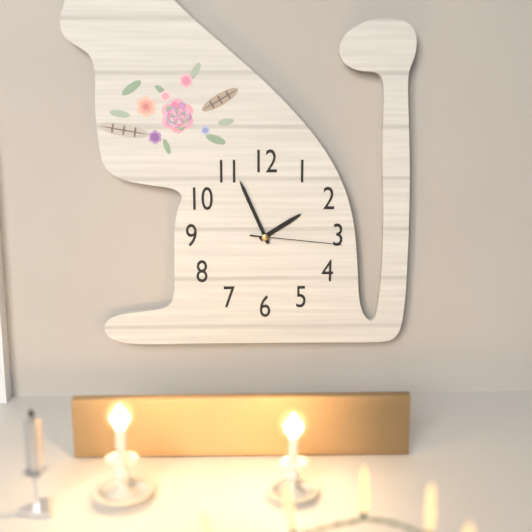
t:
1,56,16
